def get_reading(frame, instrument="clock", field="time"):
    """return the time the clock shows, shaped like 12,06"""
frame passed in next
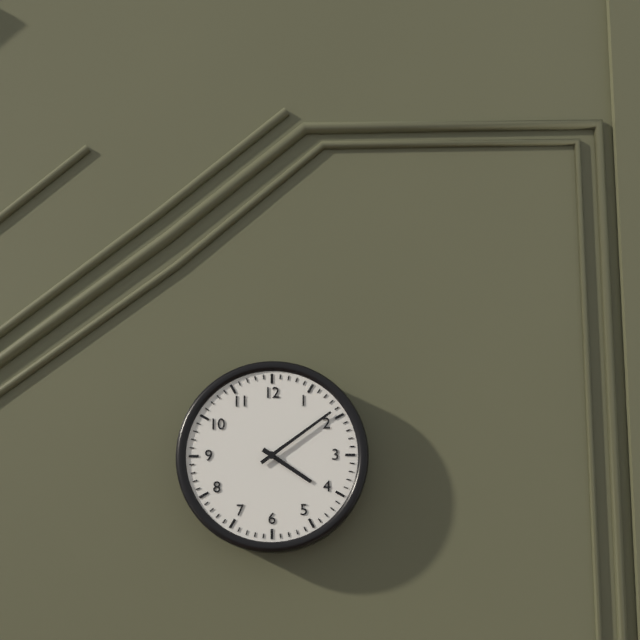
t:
4,09
